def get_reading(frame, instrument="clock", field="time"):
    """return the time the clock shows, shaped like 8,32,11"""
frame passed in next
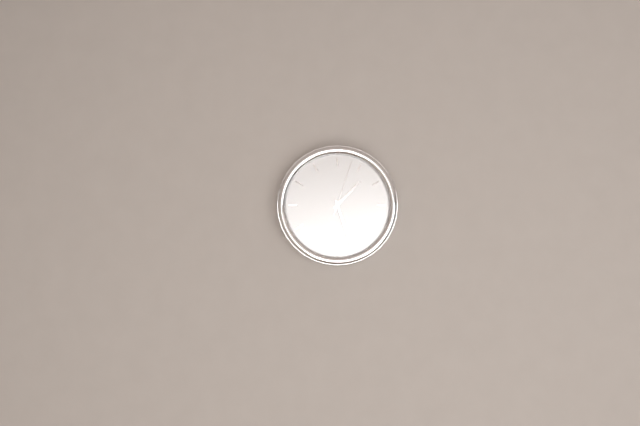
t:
1,27,03
